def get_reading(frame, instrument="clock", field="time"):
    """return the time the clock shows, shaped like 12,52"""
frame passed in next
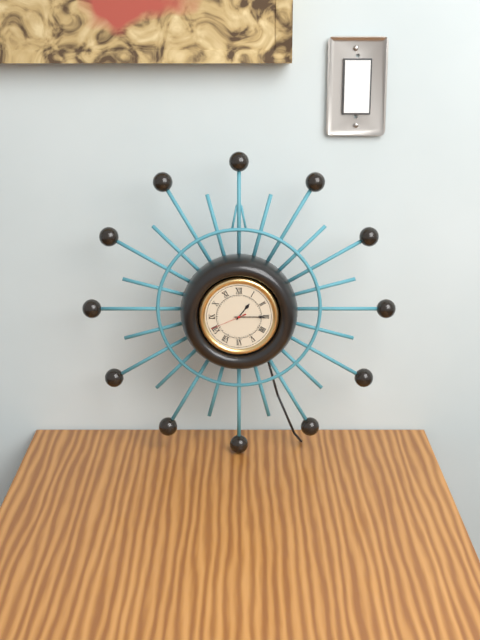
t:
1,15
